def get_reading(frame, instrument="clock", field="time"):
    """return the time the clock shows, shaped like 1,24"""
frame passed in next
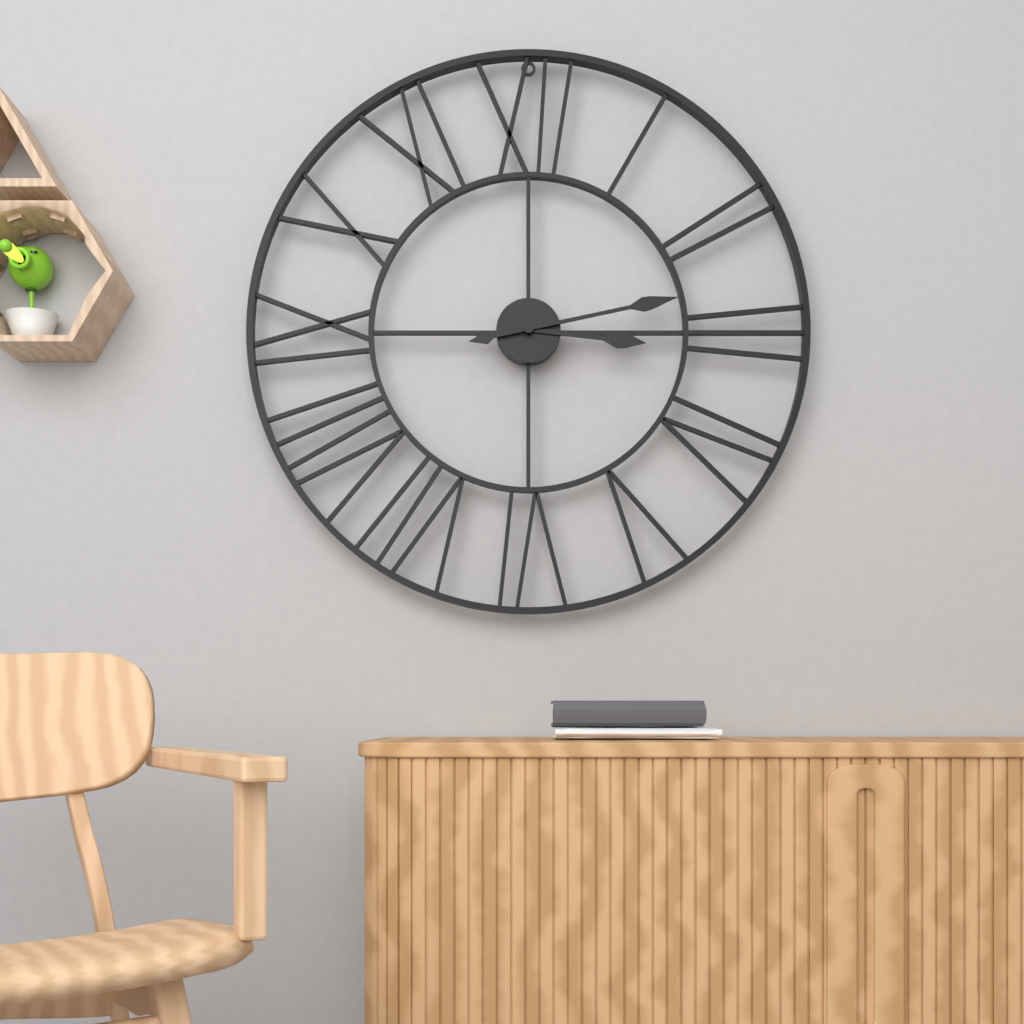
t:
3,13
